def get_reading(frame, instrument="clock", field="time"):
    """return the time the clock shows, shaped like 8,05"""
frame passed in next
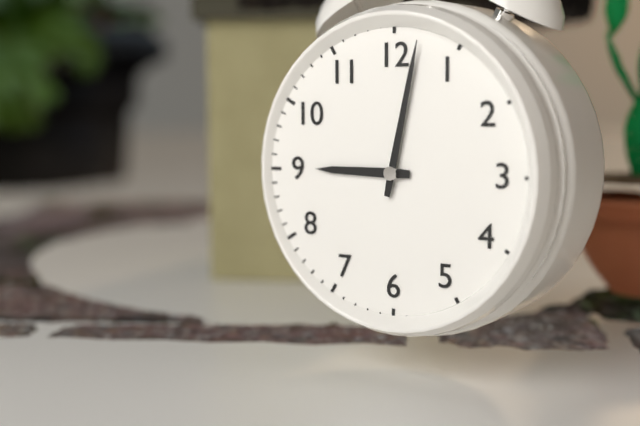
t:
9,02
